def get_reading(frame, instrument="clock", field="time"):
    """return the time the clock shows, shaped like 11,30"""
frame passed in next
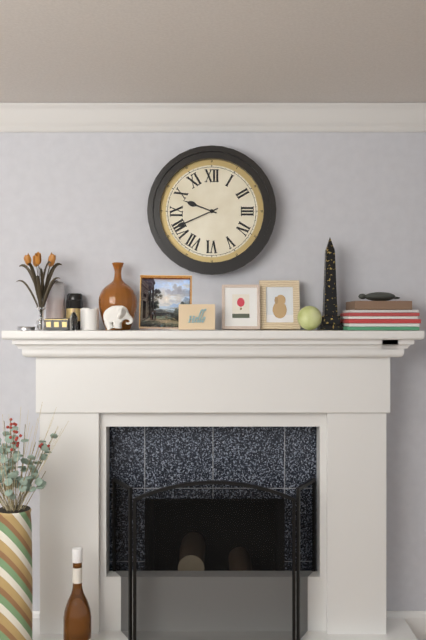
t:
9,41
